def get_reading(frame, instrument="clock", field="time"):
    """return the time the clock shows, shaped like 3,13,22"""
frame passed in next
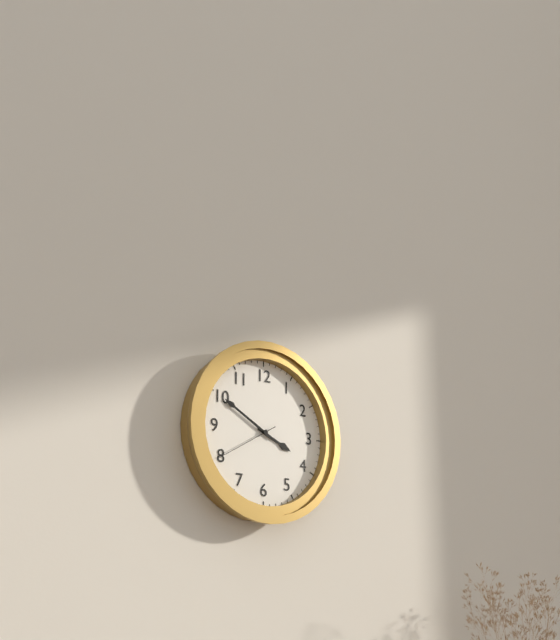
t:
3,50,40
